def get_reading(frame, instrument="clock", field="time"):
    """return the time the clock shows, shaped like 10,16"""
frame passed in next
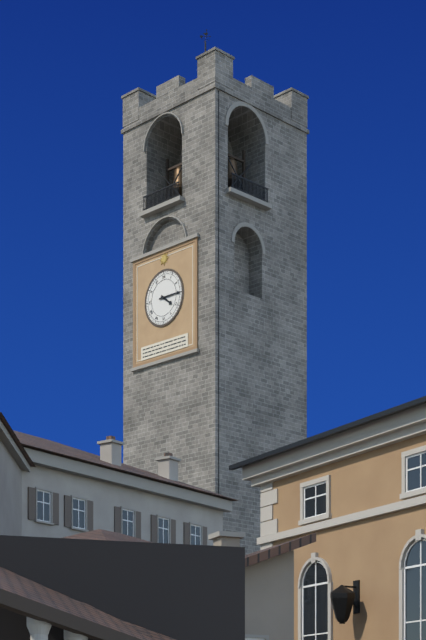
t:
4,15
